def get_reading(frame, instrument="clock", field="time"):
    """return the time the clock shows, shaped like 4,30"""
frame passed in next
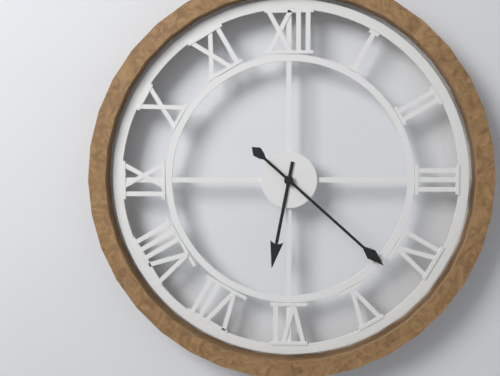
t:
6,22
